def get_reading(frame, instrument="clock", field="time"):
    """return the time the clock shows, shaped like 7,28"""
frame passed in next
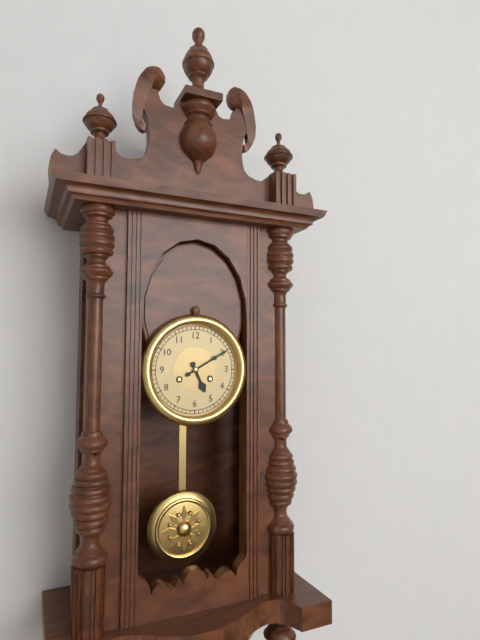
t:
5,10
